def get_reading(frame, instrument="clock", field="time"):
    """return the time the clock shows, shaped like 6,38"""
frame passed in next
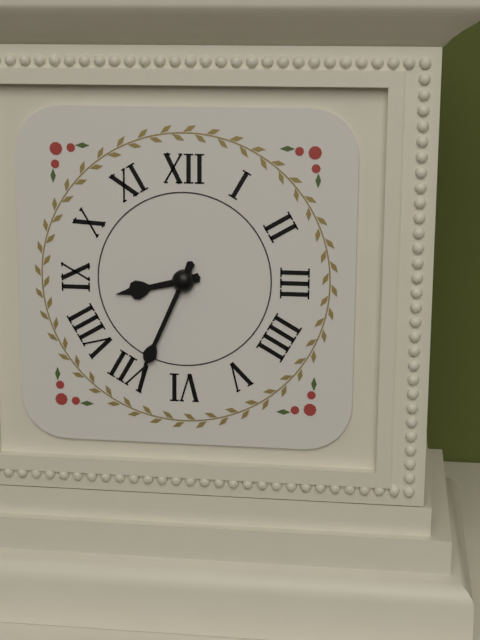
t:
8,34
